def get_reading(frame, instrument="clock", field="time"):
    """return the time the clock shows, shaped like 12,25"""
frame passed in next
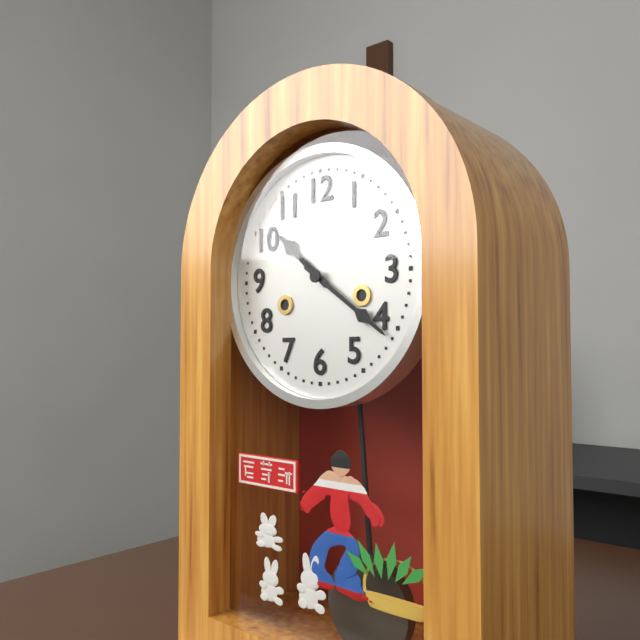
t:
10,21
